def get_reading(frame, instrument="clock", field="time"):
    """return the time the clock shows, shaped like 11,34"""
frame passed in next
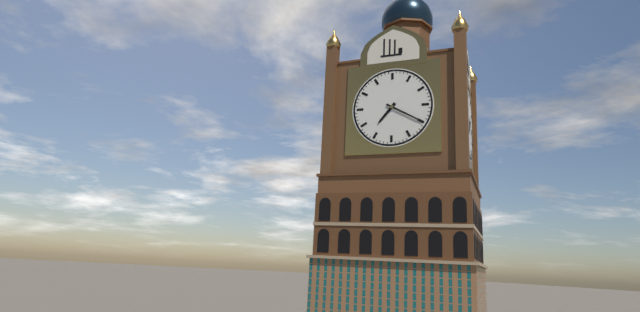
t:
7,20
